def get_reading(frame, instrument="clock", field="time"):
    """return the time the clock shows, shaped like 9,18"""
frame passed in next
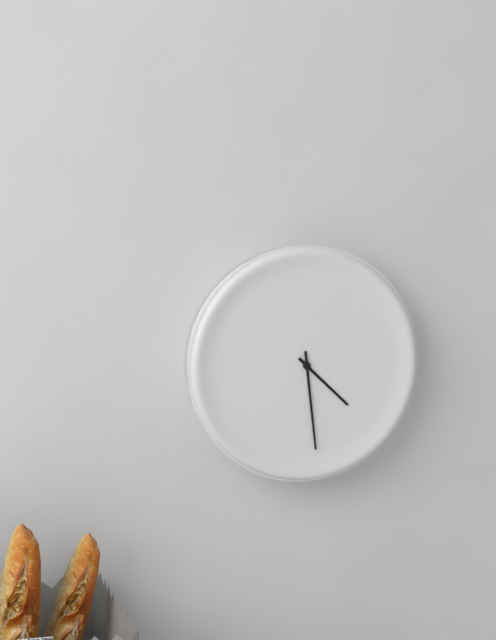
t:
4,29
